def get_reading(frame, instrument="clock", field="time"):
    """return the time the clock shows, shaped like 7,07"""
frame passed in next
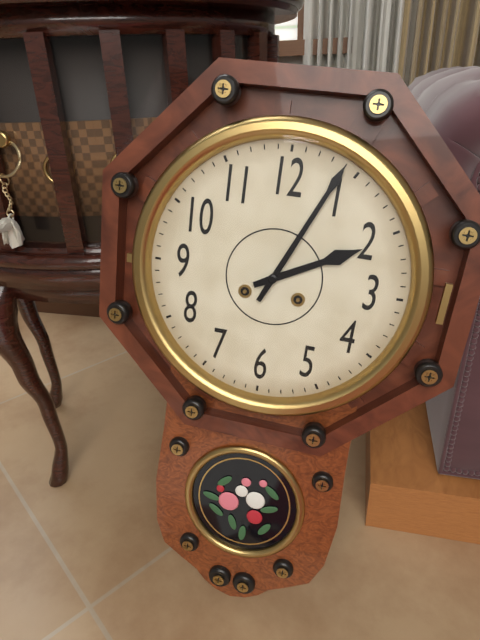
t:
2,04
